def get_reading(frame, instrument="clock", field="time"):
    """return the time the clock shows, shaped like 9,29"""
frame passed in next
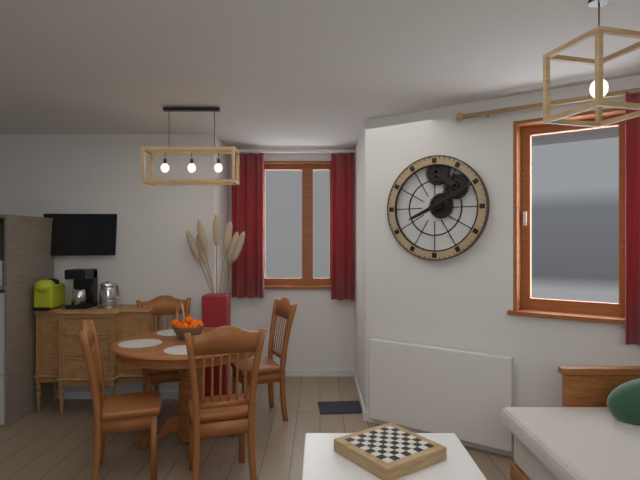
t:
8,10
